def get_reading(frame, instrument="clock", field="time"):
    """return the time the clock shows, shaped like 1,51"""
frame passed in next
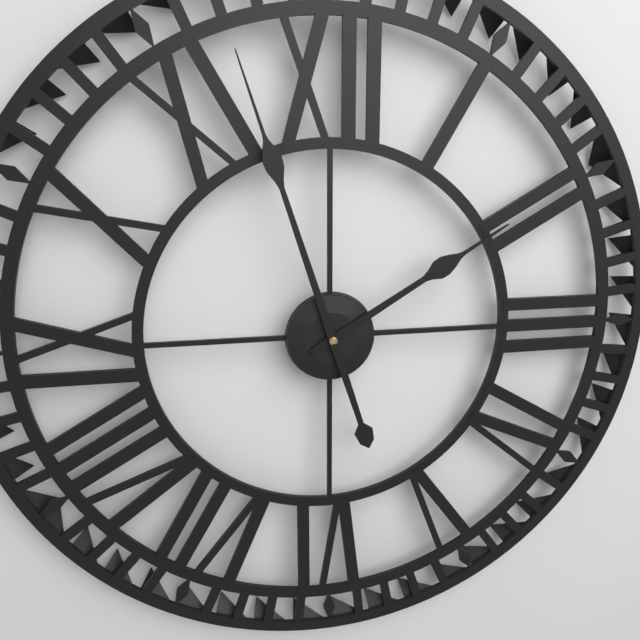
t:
1,57
